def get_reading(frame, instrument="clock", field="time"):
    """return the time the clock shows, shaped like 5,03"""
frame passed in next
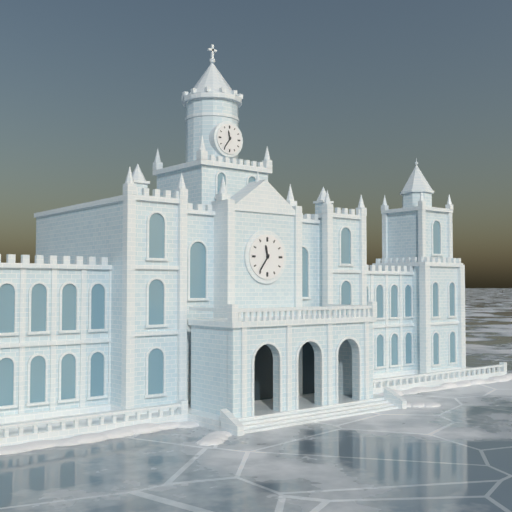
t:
11,36
